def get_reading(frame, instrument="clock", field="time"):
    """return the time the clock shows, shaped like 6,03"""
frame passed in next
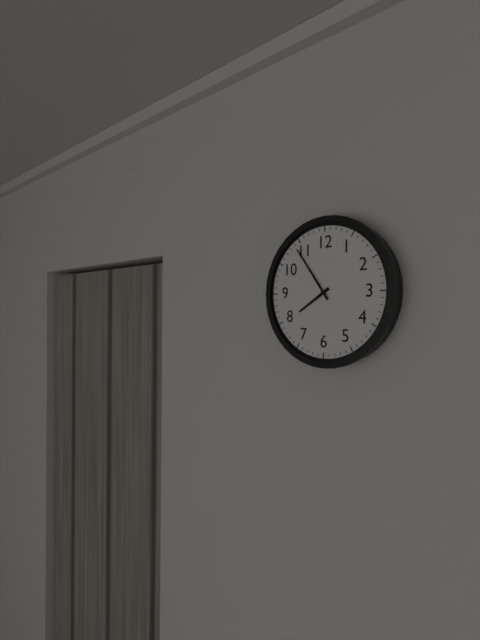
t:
7,54
